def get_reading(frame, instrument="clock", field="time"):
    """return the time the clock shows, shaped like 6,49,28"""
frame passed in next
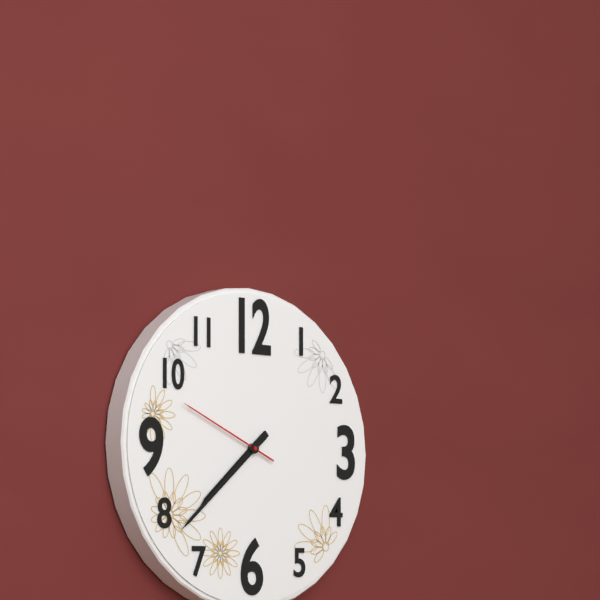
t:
7,38,49
